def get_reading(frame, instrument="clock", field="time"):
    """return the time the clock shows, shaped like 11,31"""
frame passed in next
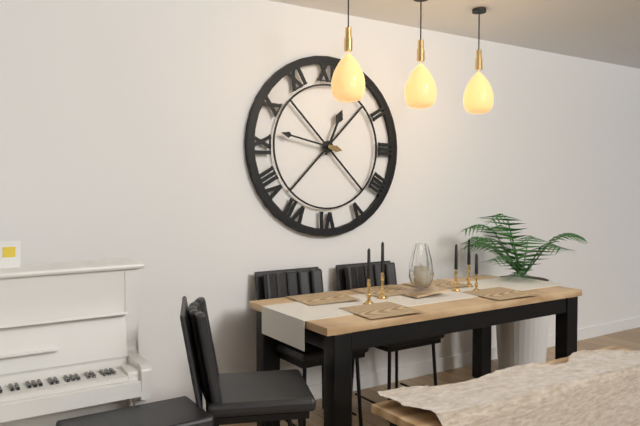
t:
12,47
